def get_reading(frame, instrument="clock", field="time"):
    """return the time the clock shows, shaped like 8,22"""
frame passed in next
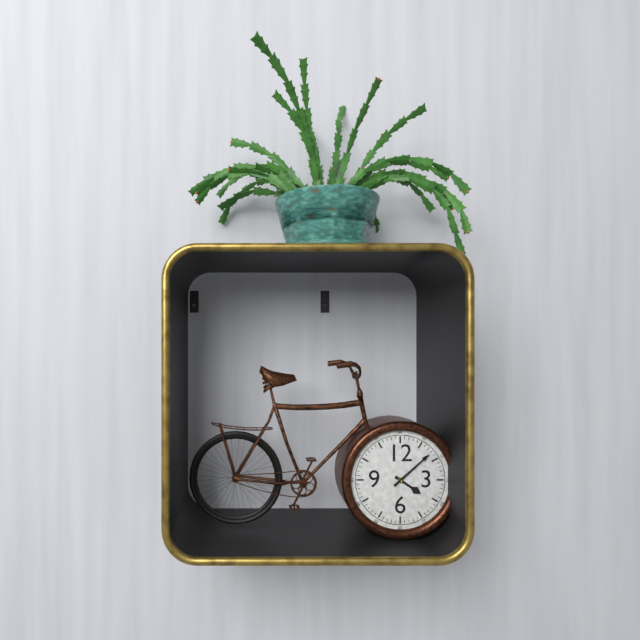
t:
4,08
